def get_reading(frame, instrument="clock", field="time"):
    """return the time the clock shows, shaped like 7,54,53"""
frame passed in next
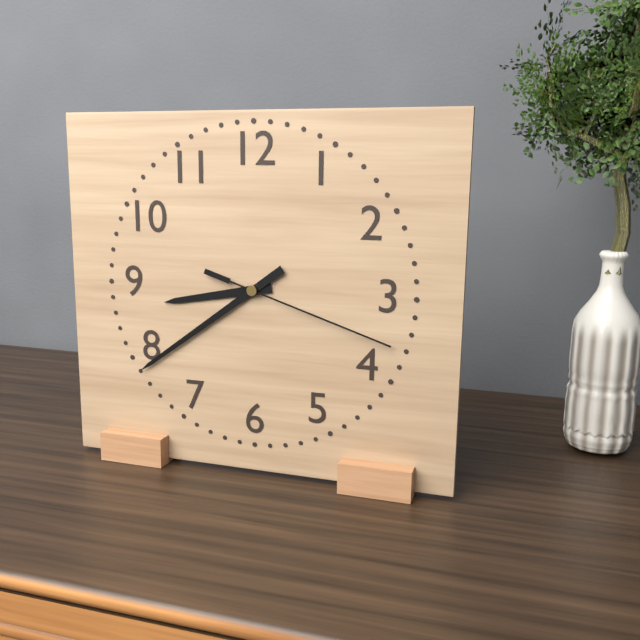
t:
8,39,18
